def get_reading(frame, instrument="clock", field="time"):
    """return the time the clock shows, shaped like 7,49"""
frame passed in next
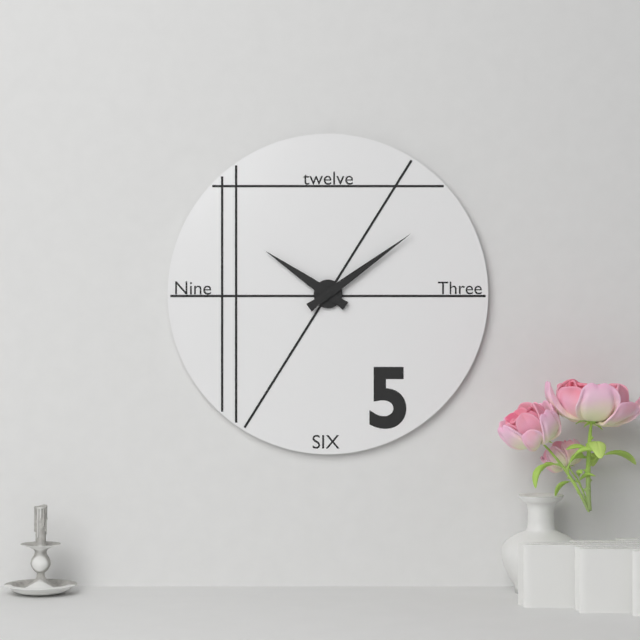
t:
10,09
